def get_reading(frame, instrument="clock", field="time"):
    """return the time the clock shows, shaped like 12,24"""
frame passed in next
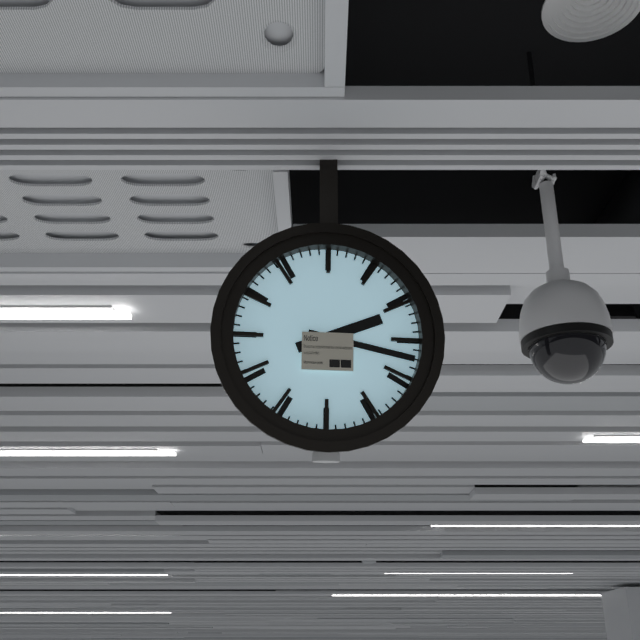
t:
2,17
